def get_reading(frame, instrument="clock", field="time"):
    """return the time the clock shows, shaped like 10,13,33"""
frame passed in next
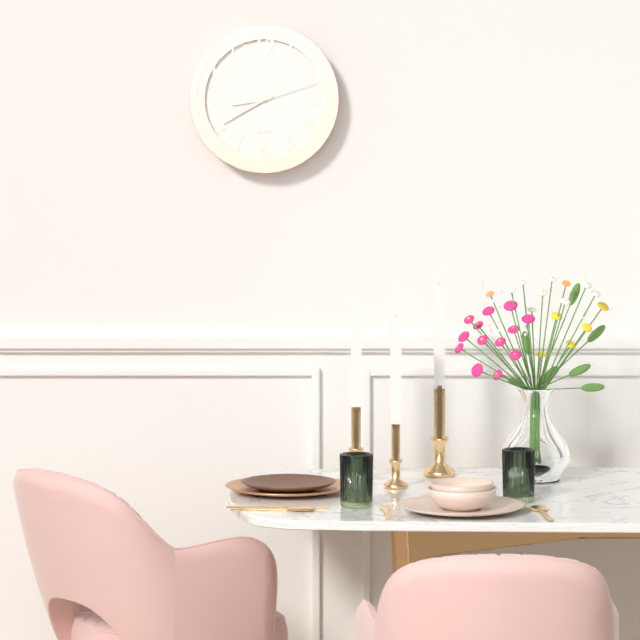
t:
8,40,12
